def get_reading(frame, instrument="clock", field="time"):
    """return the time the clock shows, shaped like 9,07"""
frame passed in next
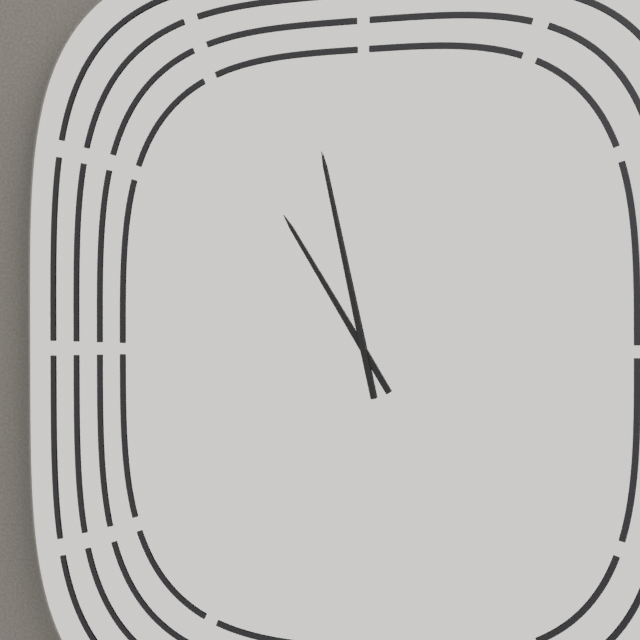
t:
10,58
